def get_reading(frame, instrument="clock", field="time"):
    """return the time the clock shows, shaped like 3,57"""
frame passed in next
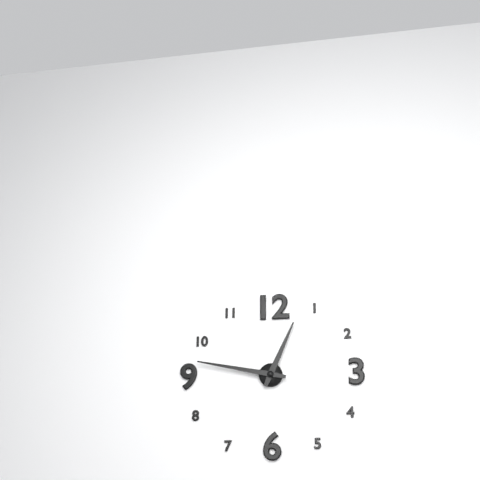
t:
12,47
